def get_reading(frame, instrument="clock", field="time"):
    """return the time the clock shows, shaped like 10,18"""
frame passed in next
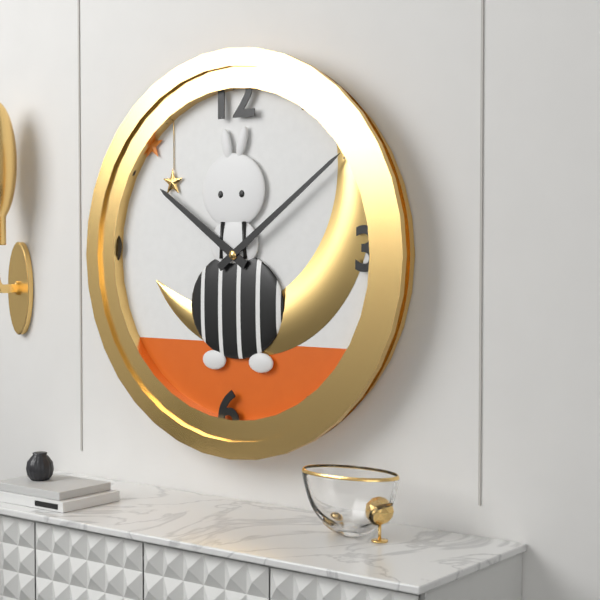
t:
10,09
